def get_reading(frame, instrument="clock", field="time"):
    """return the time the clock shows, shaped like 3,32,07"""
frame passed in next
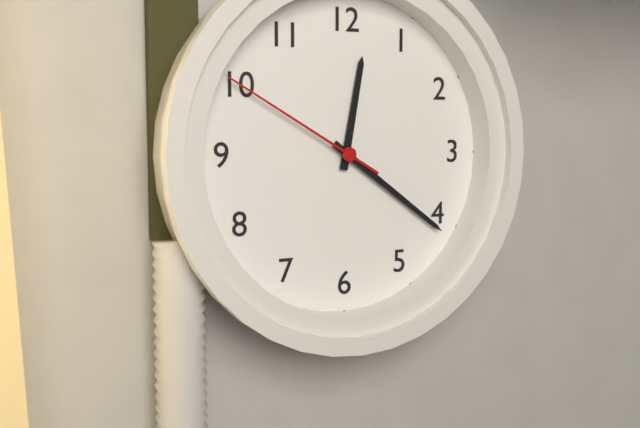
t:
12,21,50
